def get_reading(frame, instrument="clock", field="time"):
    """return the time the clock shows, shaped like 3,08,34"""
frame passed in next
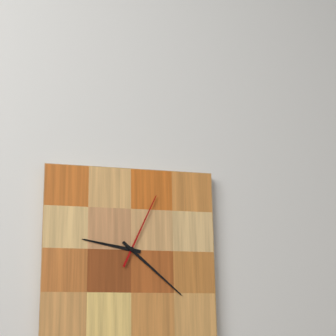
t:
9,22,04
